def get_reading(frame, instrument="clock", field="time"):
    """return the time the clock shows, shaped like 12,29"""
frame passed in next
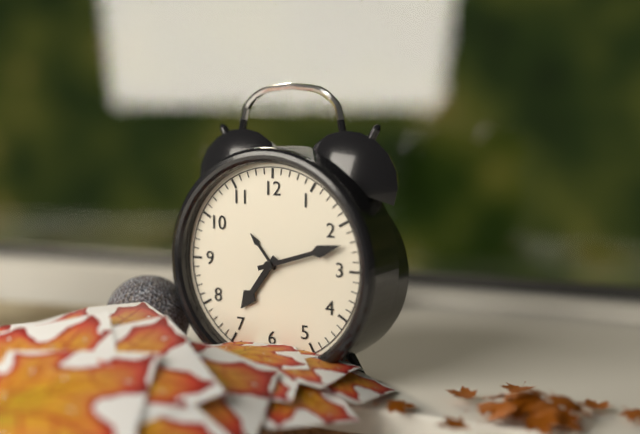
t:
7,12
